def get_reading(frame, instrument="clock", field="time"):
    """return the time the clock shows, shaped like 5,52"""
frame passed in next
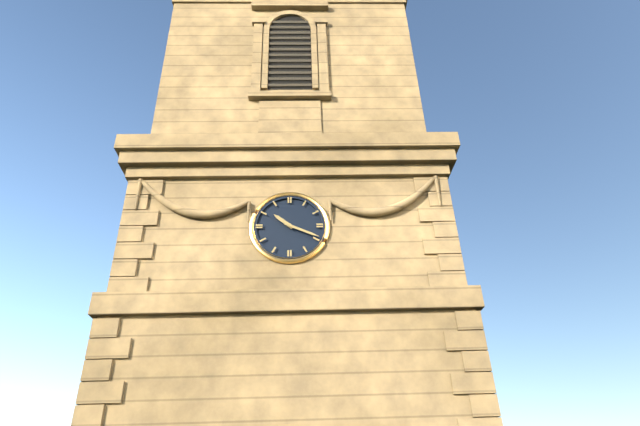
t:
10,19
